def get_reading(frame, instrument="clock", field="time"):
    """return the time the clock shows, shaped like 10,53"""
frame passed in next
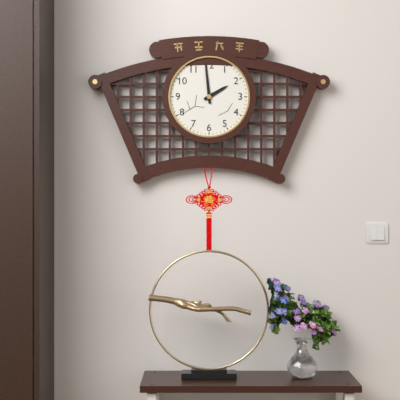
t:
1,59
